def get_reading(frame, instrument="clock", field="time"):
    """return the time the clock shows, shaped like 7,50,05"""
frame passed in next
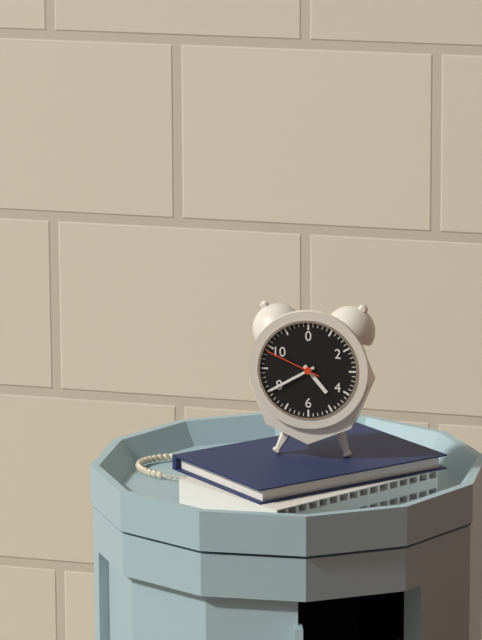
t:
4,40,49
